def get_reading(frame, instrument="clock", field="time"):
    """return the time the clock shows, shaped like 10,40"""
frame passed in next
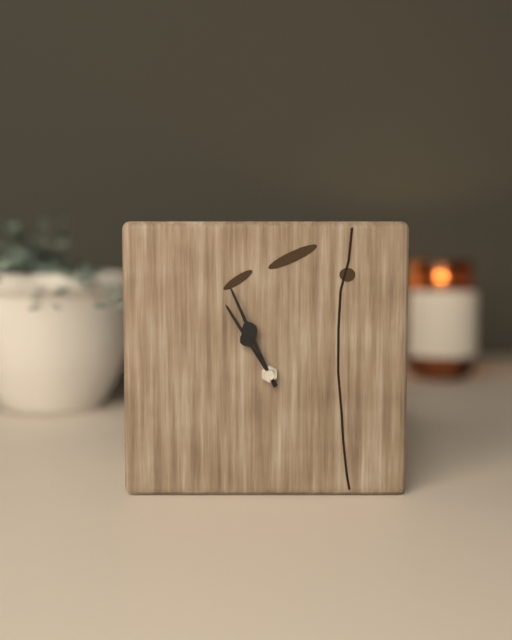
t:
10,56
